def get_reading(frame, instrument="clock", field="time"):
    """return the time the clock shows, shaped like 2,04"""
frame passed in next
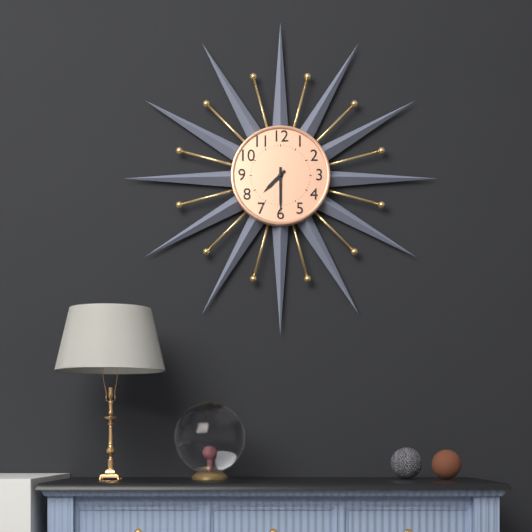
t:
7,30
